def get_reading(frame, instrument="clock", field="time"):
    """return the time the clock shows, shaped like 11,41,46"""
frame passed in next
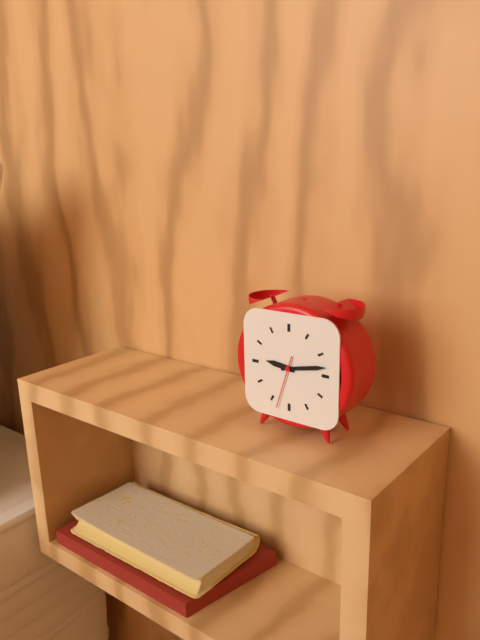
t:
9,13,33
